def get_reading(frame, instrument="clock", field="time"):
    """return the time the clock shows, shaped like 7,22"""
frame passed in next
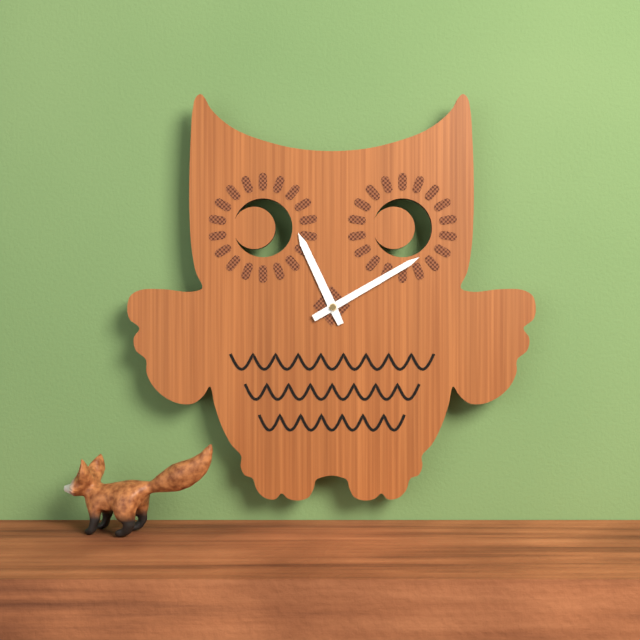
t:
11,10
